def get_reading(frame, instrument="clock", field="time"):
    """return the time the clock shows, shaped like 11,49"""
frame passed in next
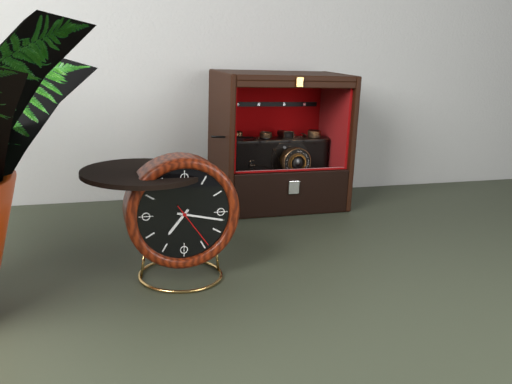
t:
7,17
